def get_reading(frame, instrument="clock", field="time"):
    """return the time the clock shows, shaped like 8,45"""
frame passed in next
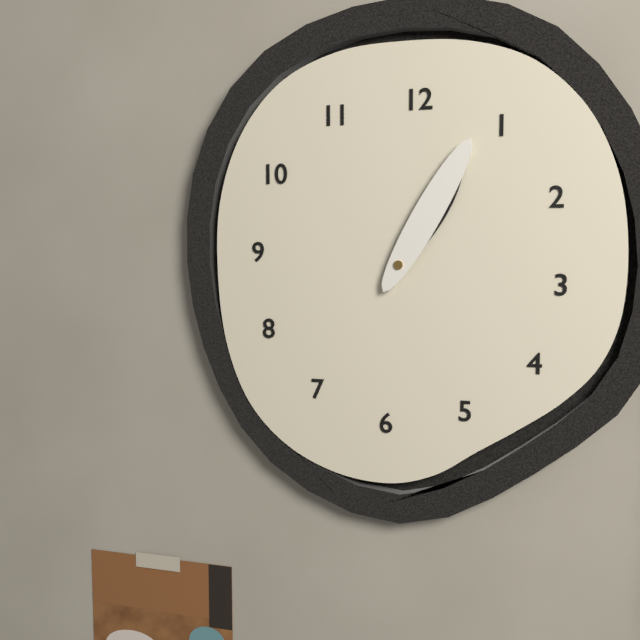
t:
1,05
